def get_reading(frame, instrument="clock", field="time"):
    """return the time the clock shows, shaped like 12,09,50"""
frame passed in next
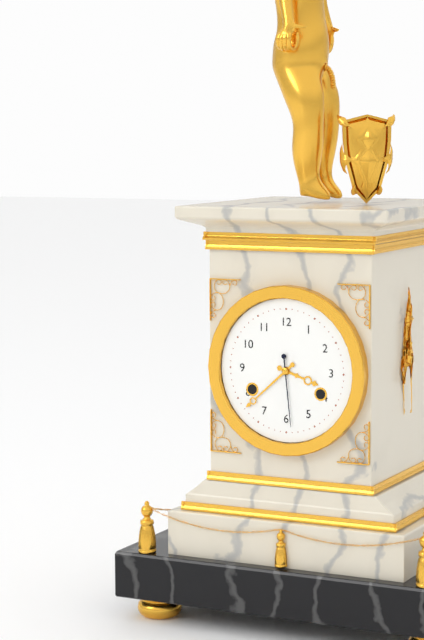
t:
3,38,29
